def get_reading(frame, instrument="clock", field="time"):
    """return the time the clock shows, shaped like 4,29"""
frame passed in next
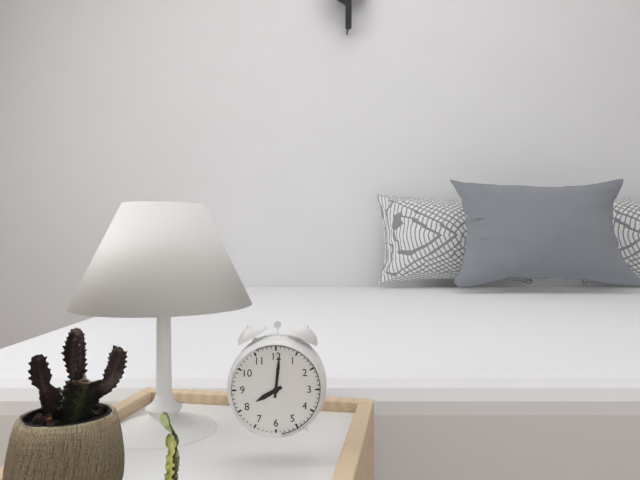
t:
8,01
